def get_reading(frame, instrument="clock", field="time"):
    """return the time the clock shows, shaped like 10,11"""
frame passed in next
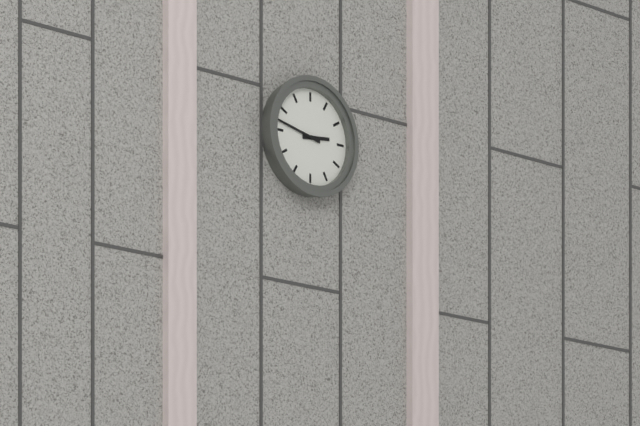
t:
2,47
